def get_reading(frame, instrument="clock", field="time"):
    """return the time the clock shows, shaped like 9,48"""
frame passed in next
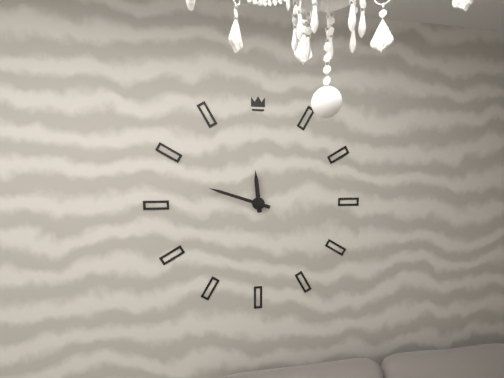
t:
11,48
